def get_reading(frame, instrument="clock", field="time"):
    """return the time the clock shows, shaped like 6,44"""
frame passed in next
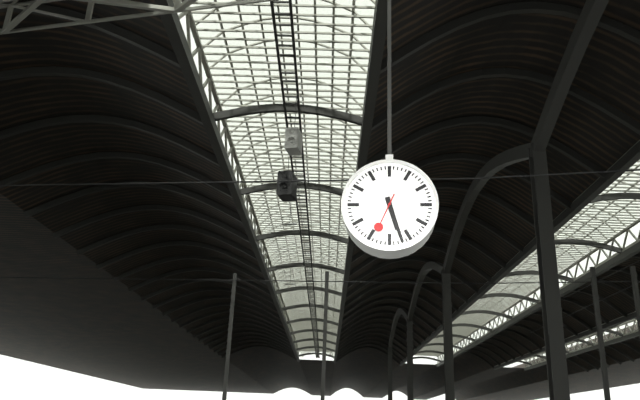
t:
5,27
